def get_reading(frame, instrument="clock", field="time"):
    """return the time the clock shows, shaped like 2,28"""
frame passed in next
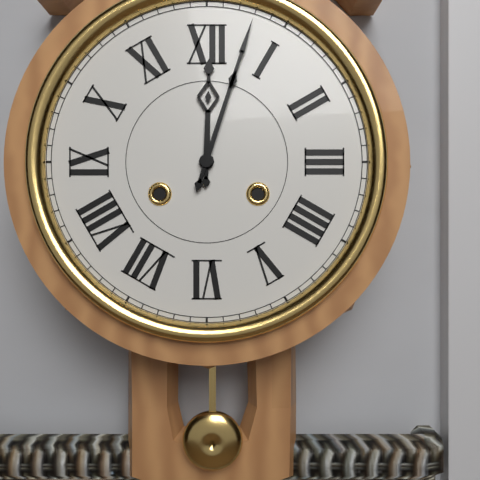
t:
12,03
